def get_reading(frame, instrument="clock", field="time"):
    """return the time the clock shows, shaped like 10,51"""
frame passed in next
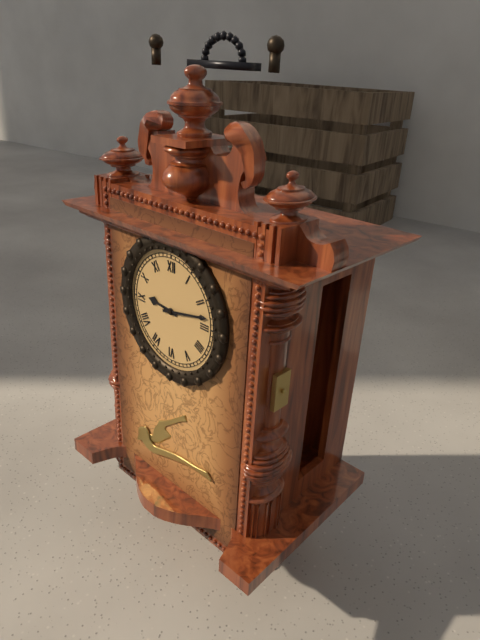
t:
9,13
